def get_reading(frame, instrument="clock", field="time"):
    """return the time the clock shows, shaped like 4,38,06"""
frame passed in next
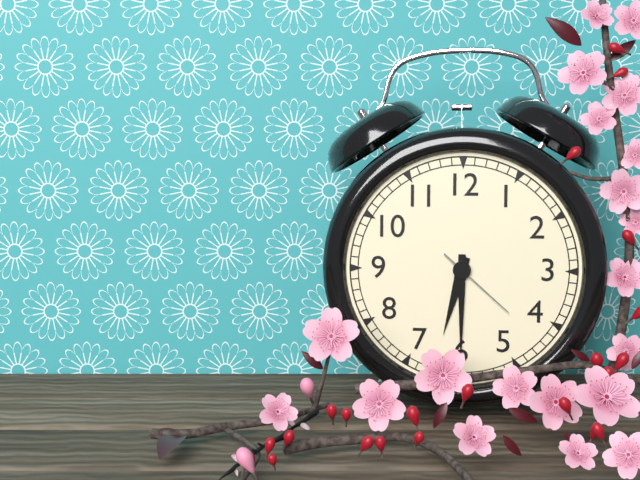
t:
6,30,22
